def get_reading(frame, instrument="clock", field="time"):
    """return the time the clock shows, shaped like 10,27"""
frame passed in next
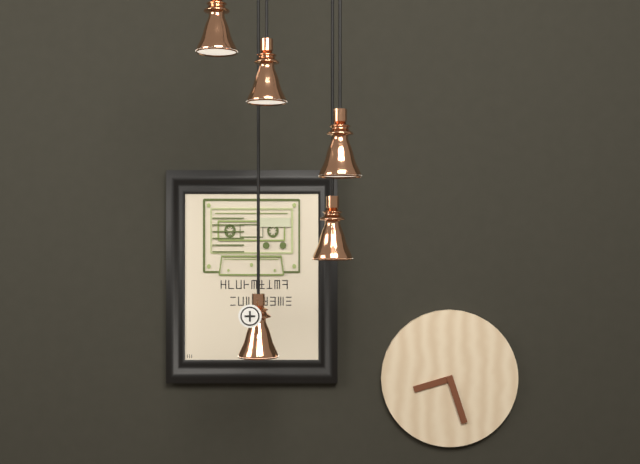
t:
8,27
